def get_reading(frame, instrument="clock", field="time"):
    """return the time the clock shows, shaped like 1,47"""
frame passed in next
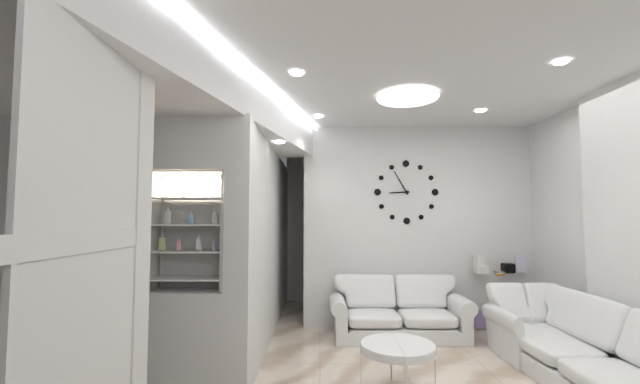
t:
8,55
